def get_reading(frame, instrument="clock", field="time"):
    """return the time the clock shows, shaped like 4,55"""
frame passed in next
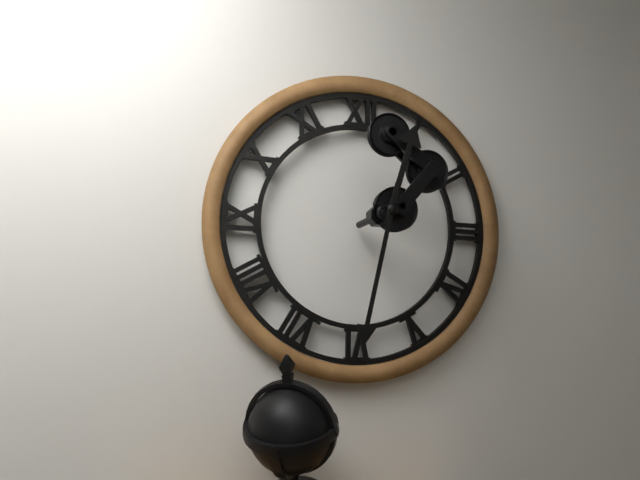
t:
12,32
